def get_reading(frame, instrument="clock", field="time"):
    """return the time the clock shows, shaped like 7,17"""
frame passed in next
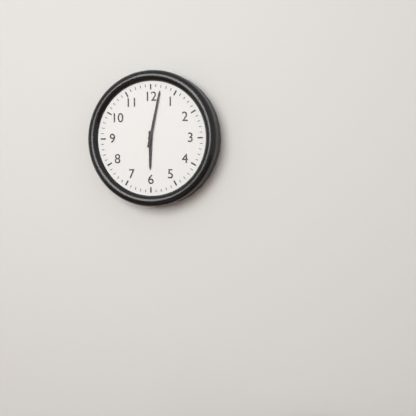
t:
6,02
